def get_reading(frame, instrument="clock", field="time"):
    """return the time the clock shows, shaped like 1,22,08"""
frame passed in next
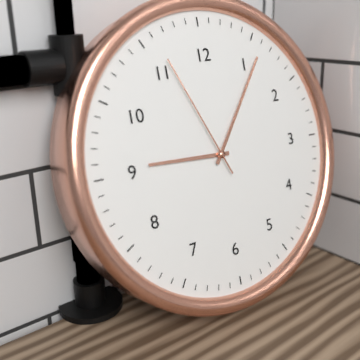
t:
9,06,56
